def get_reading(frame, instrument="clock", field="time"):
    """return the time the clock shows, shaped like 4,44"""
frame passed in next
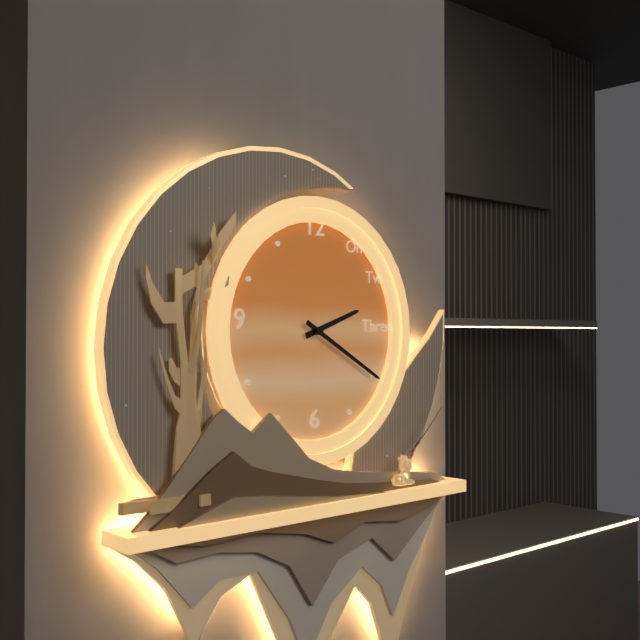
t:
2,20
